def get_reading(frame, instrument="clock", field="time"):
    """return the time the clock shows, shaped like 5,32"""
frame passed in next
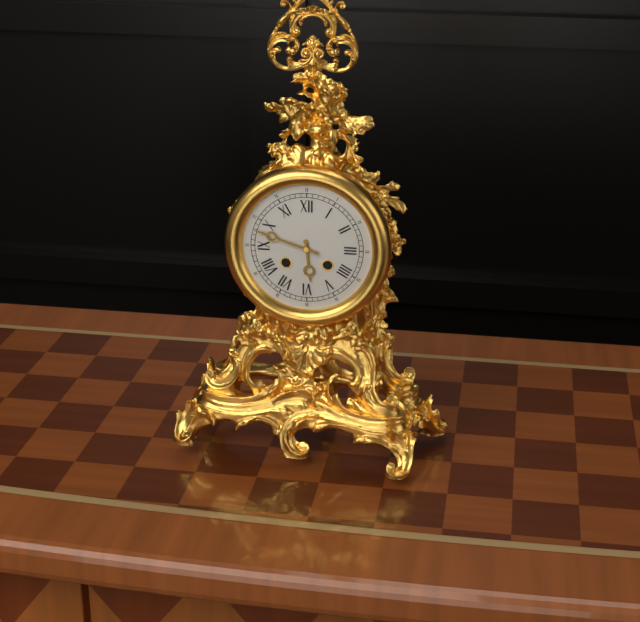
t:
5,48
